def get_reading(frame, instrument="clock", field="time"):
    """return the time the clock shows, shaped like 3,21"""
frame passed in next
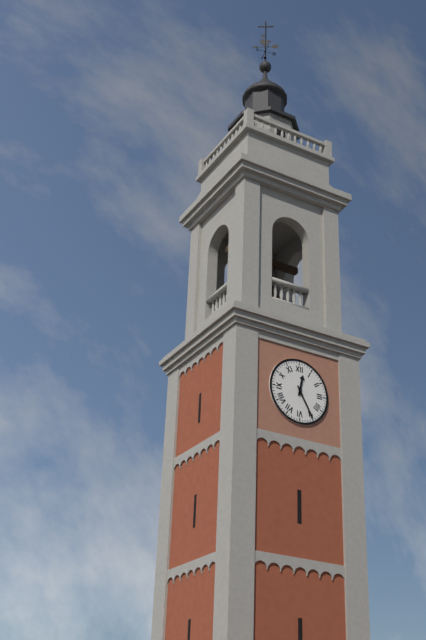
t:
12,25
